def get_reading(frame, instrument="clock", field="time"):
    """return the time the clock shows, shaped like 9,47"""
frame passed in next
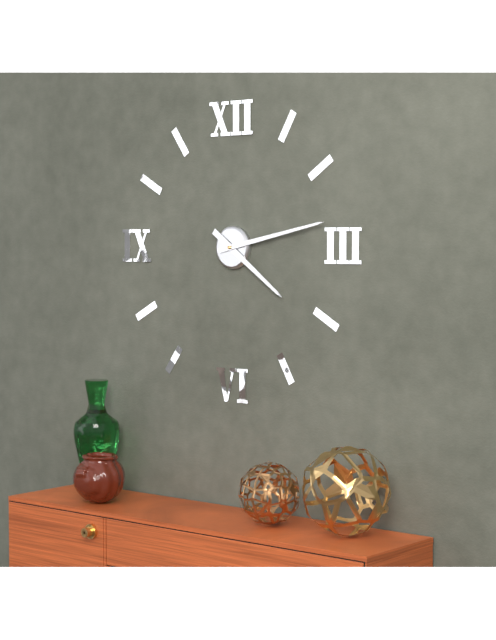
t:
4,13
